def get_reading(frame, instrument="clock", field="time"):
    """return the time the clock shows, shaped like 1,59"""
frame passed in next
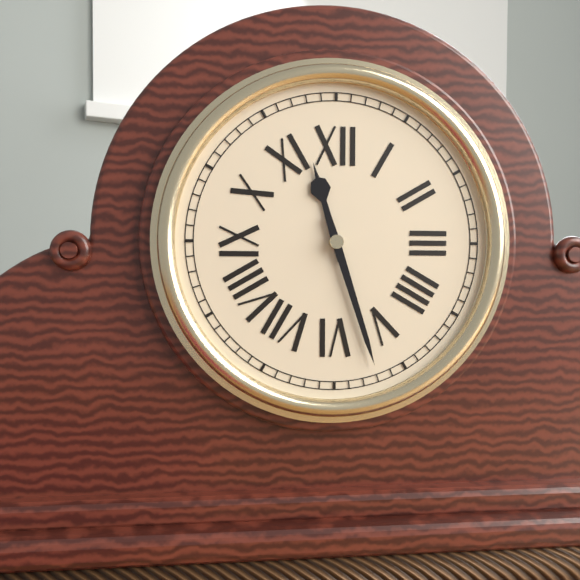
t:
11,27
